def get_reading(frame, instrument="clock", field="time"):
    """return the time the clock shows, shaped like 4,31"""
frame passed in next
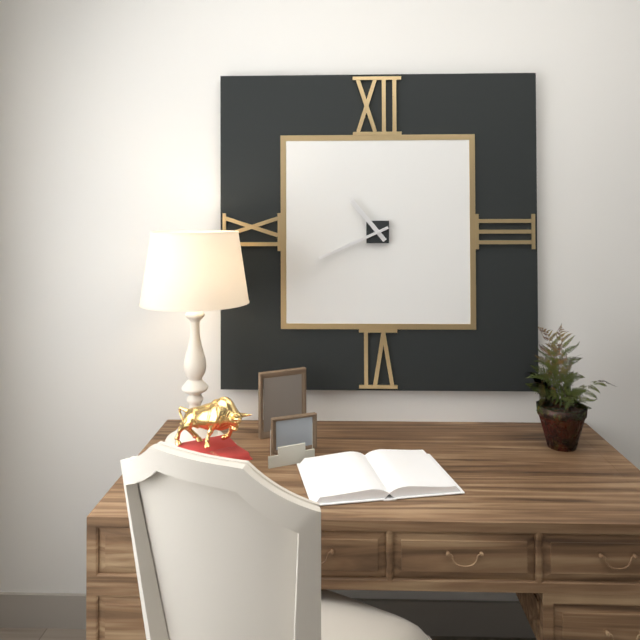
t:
10,41
